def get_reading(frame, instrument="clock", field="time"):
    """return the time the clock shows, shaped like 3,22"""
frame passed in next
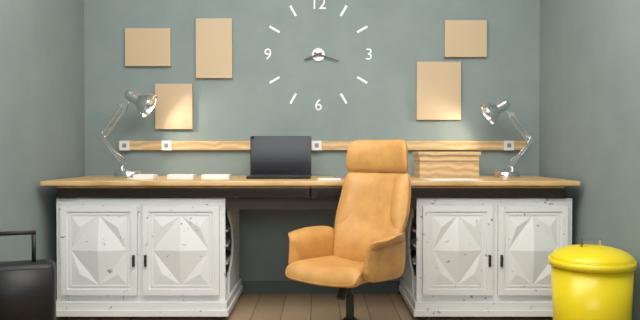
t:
8,18
